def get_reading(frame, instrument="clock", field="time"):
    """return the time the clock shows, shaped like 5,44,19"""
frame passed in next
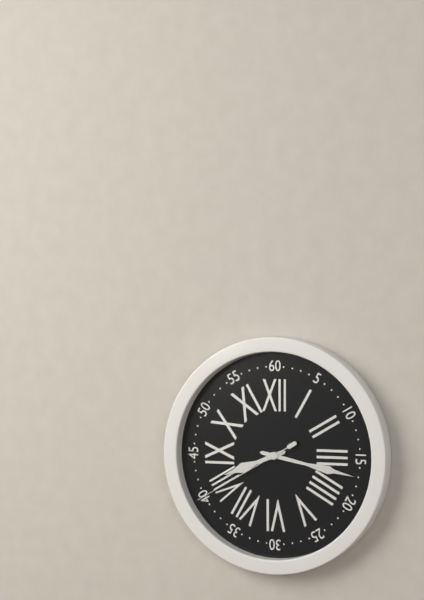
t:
8,17,40
